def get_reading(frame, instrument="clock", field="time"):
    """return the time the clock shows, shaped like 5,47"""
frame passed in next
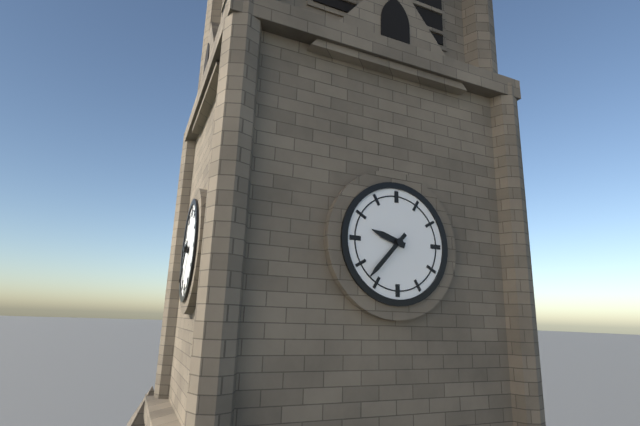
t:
9,37
